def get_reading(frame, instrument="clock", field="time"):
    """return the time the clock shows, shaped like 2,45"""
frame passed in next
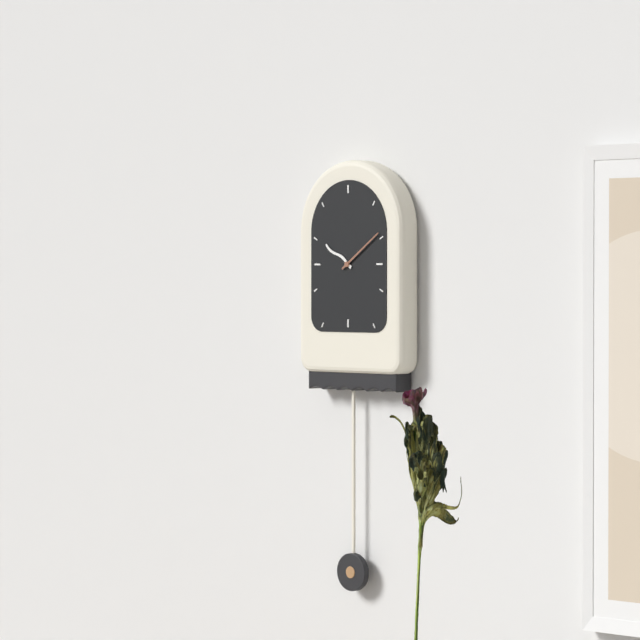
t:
10,09
